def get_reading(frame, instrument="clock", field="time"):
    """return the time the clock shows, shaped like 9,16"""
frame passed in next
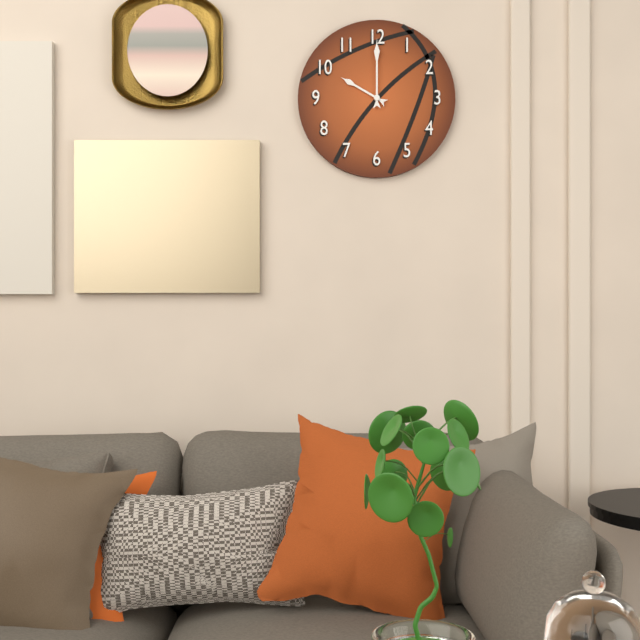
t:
10,00
